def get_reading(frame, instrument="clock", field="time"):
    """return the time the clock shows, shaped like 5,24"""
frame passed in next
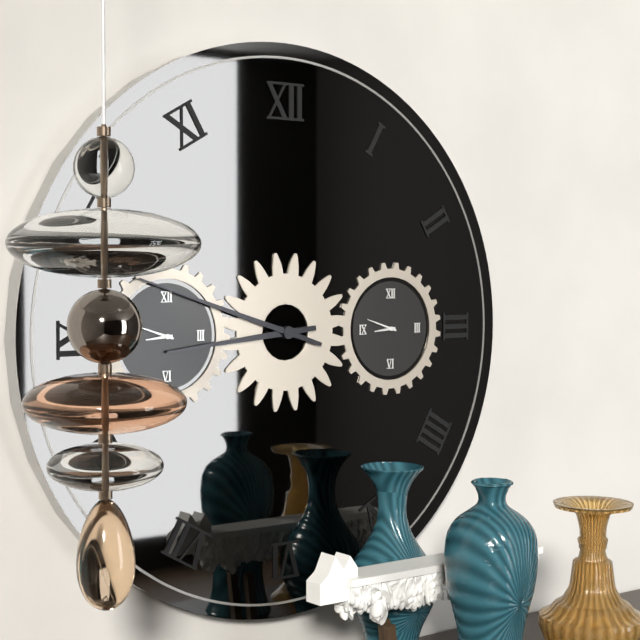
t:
8,48
